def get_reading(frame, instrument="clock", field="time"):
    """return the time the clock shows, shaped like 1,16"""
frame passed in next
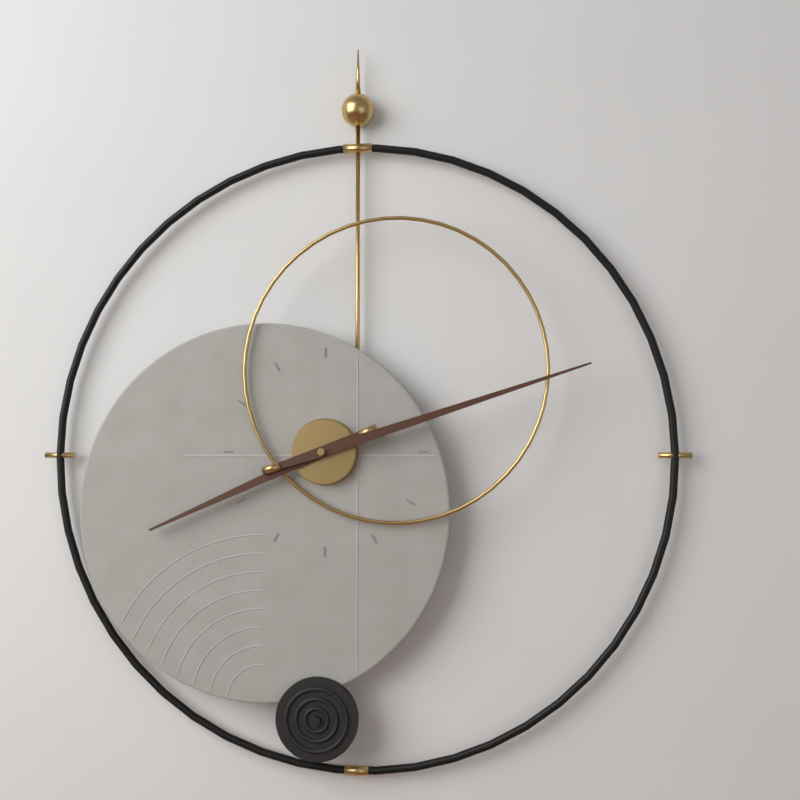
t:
8,12
